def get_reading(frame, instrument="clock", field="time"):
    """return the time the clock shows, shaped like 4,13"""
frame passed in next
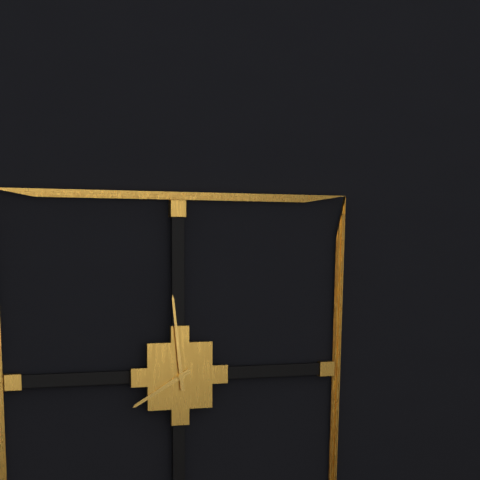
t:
7,59
